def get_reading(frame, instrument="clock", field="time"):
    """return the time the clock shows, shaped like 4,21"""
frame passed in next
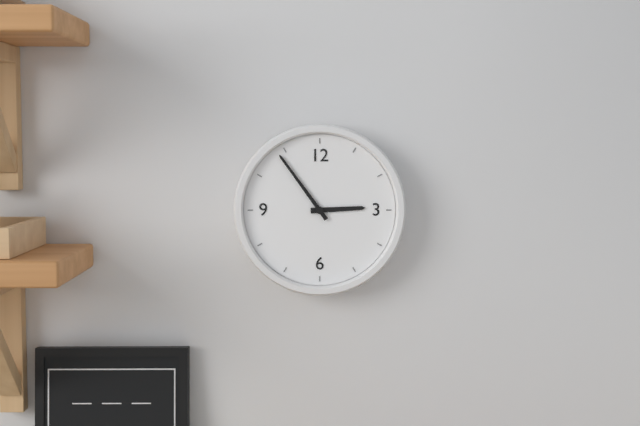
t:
2,54
